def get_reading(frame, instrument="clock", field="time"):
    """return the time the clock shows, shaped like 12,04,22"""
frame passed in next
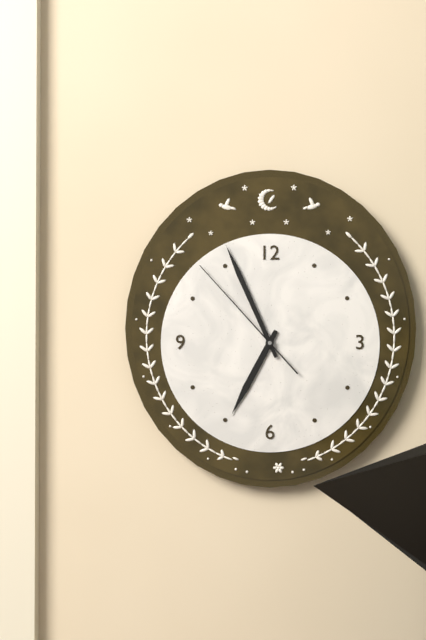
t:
6,56,53
